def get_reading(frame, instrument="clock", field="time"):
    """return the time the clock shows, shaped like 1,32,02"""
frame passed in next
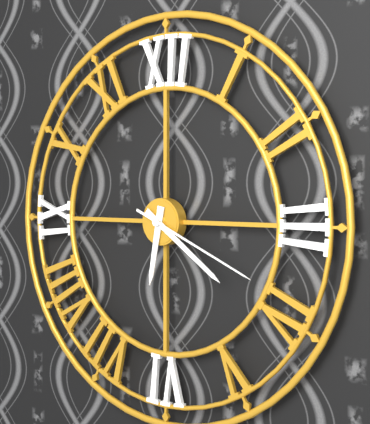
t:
6,21,19
